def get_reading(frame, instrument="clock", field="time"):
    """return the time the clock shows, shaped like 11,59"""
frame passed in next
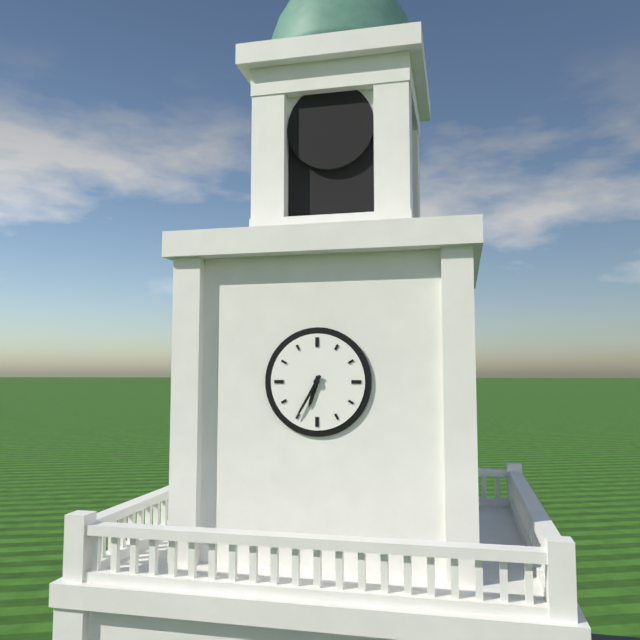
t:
6,35
